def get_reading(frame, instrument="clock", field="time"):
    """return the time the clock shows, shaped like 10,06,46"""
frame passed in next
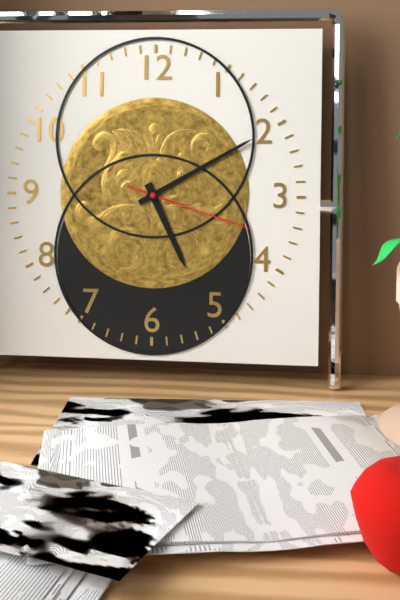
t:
5,10,18
